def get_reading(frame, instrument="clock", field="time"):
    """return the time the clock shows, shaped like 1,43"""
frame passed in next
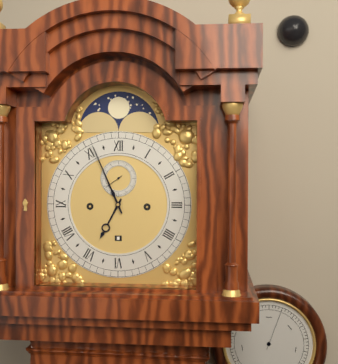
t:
6,56
